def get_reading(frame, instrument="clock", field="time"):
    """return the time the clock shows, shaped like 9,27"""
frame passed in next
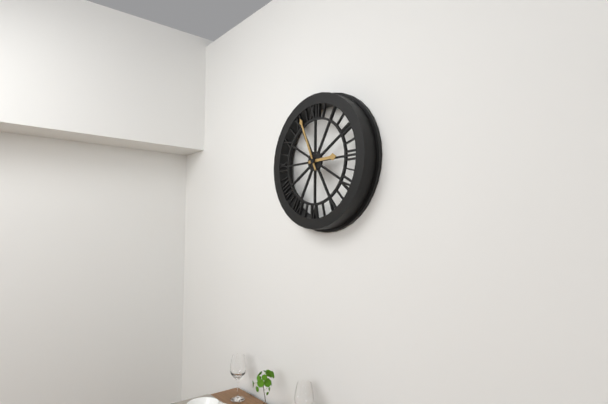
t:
2,56
